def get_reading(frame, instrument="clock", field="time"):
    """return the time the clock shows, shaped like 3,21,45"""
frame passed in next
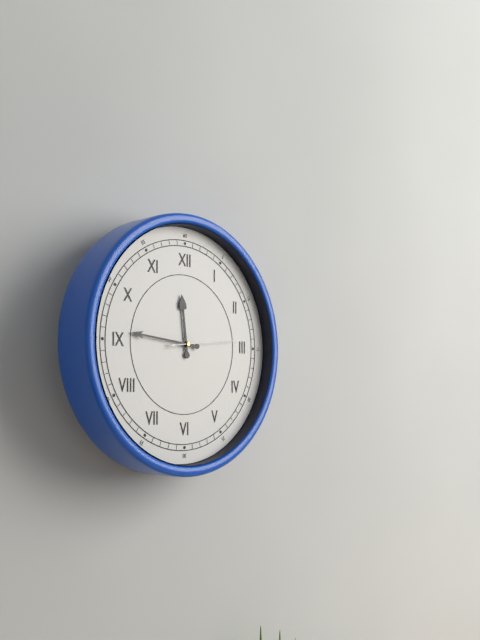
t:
11,46,14
